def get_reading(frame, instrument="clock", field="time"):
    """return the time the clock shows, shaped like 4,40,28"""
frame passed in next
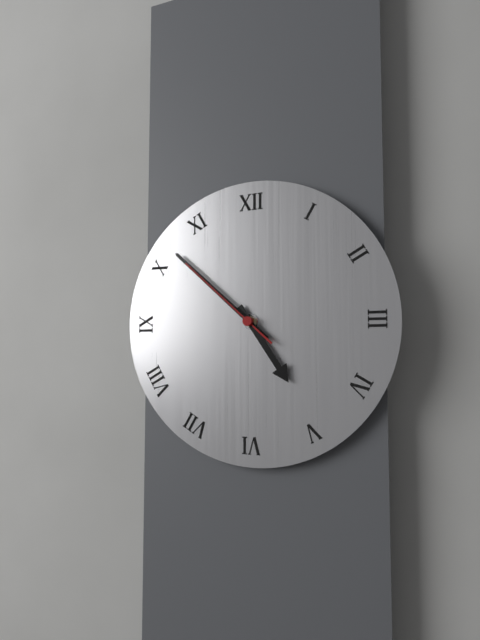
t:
4,52,52
